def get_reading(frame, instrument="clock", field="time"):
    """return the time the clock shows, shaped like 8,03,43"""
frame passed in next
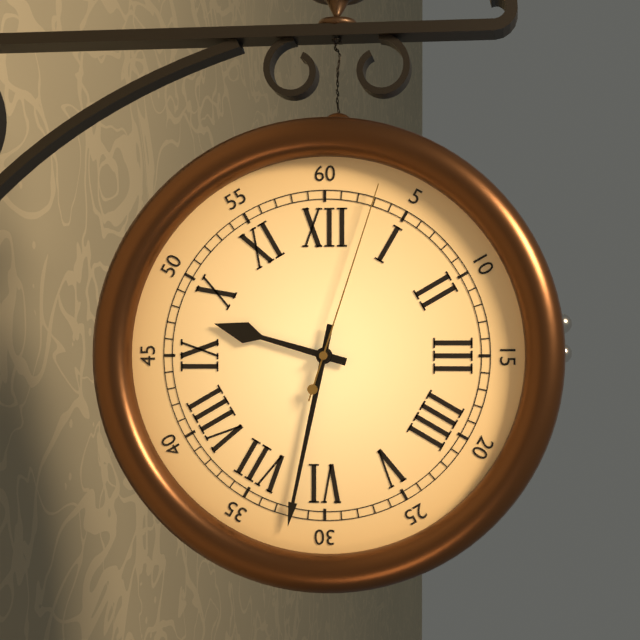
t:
9,32,03
